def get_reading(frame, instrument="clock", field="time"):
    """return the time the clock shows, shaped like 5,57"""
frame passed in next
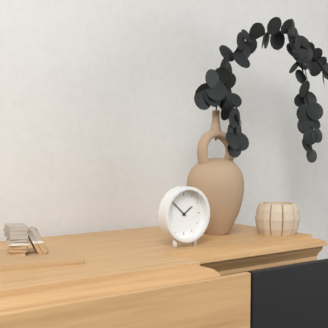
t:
1,52
